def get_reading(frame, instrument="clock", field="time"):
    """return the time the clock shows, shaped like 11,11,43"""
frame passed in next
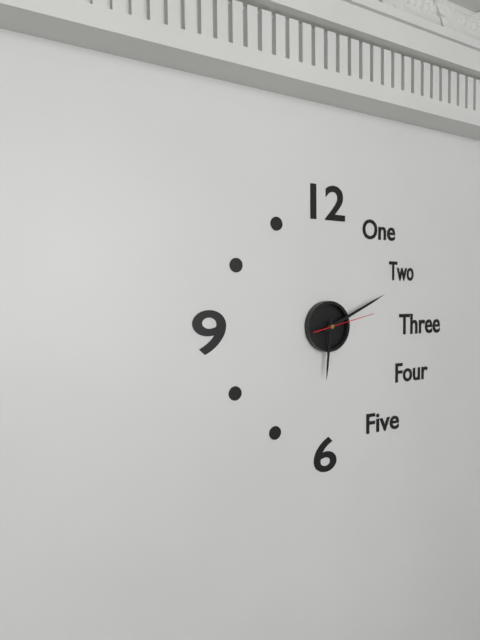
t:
6,11,13
